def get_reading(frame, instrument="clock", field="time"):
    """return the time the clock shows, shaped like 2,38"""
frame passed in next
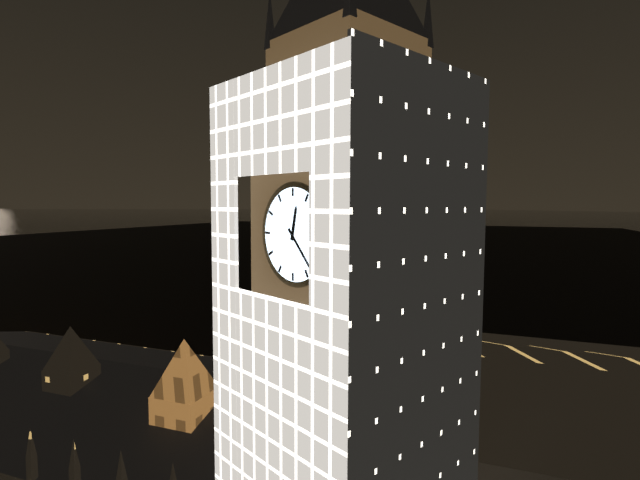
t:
12,23
